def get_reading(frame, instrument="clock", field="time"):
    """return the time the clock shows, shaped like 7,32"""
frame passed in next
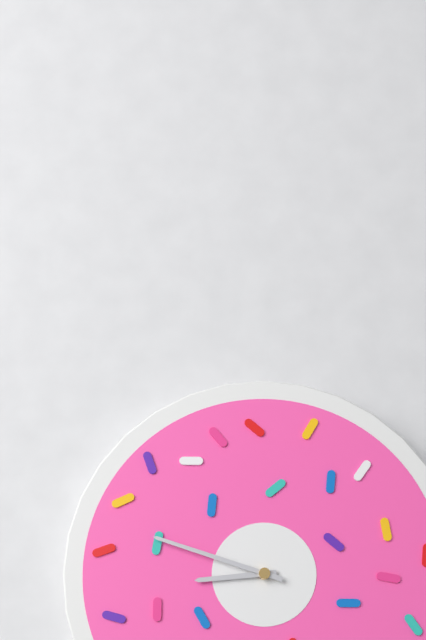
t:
8,48
